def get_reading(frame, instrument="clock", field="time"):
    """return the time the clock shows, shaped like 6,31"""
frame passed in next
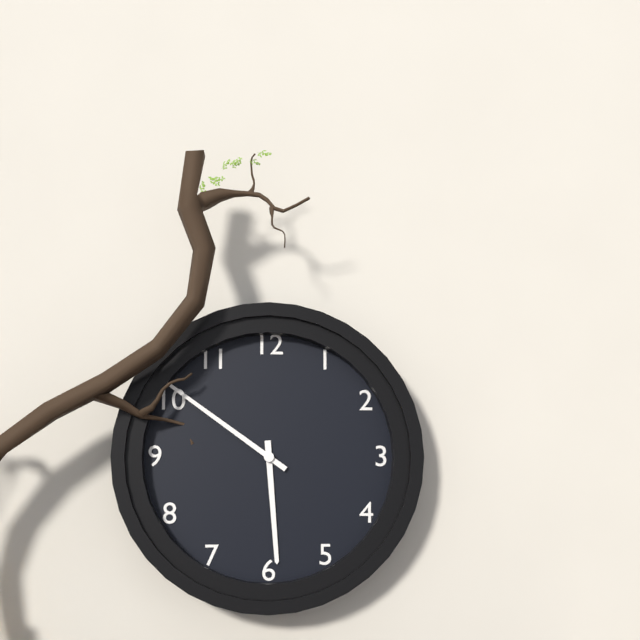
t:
5,51
